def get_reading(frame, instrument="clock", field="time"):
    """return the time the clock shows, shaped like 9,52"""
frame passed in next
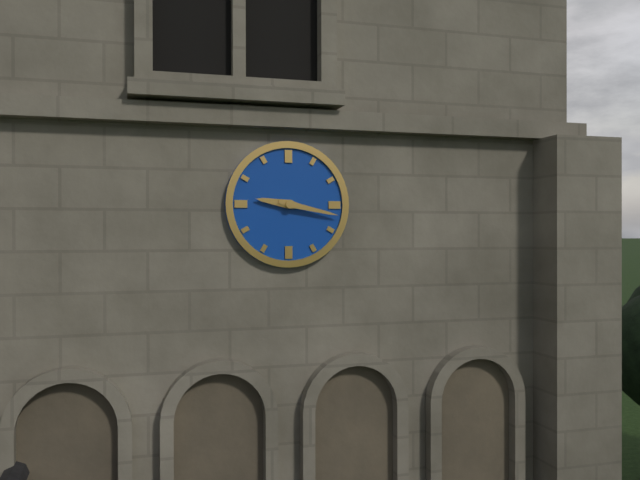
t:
9,17
